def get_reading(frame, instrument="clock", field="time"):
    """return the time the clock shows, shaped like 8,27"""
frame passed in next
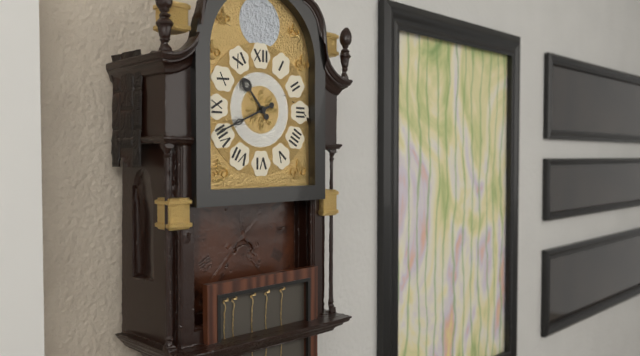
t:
10,41
